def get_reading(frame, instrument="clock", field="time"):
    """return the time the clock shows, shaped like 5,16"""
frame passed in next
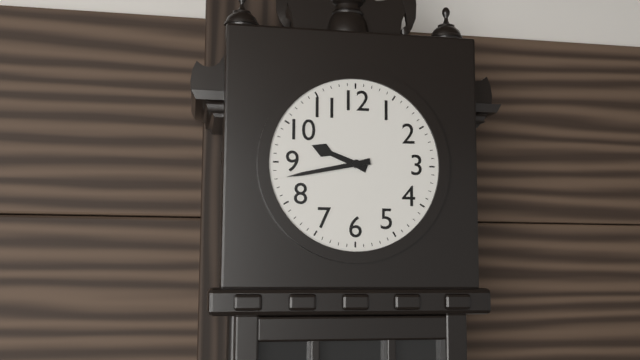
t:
9,43
